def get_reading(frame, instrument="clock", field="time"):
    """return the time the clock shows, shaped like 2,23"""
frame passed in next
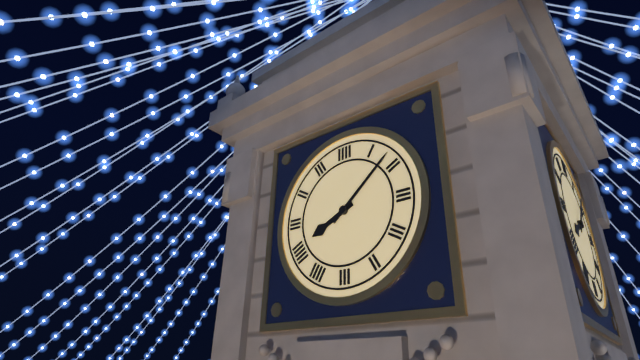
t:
8,08
